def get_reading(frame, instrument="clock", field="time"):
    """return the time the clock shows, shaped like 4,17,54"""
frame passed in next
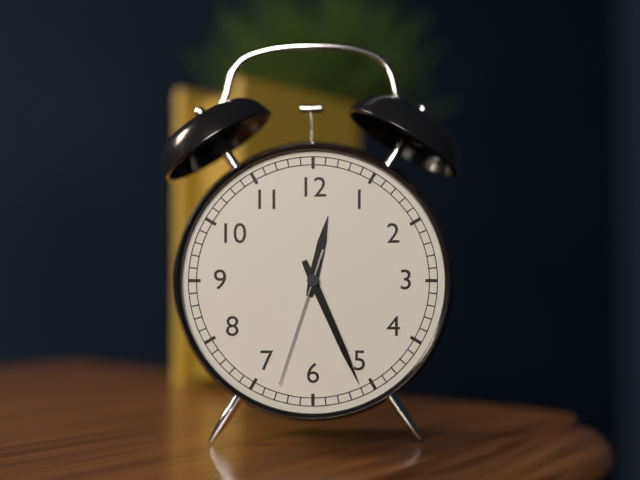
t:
12,26,33
